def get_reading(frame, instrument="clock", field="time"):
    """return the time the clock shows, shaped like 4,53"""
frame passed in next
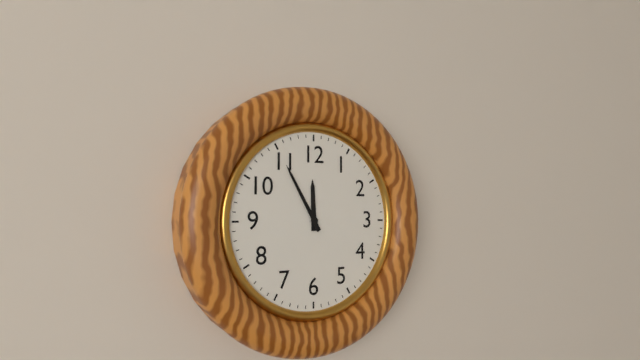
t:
11,55
